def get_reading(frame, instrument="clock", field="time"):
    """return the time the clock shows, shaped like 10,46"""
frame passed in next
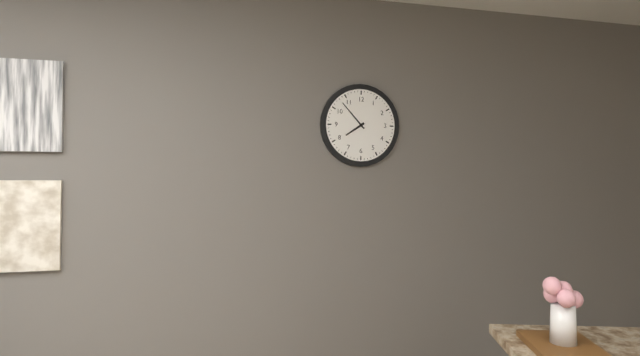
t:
7,53
